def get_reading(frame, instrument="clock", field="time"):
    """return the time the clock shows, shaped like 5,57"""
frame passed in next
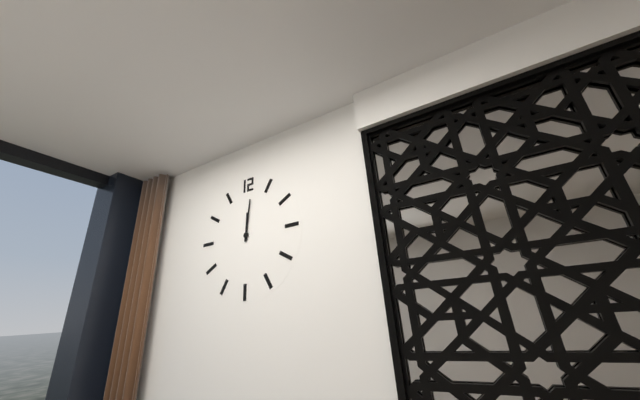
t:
12,01
